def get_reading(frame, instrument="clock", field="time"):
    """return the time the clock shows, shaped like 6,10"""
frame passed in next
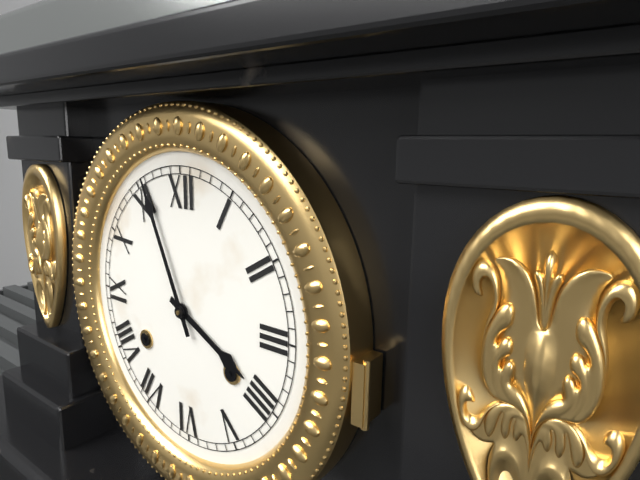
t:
3,56
